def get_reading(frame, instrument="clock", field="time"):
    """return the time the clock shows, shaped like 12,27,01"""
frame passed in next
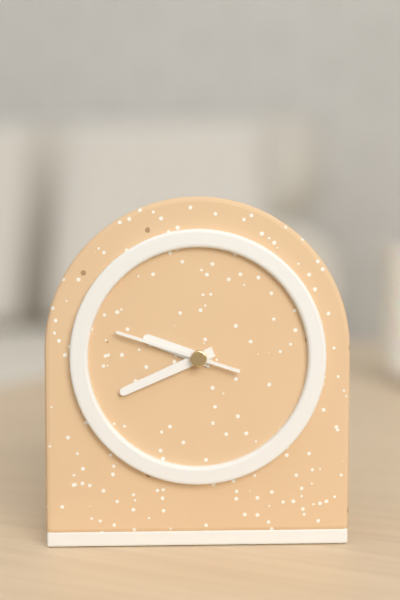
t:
9,41,48
